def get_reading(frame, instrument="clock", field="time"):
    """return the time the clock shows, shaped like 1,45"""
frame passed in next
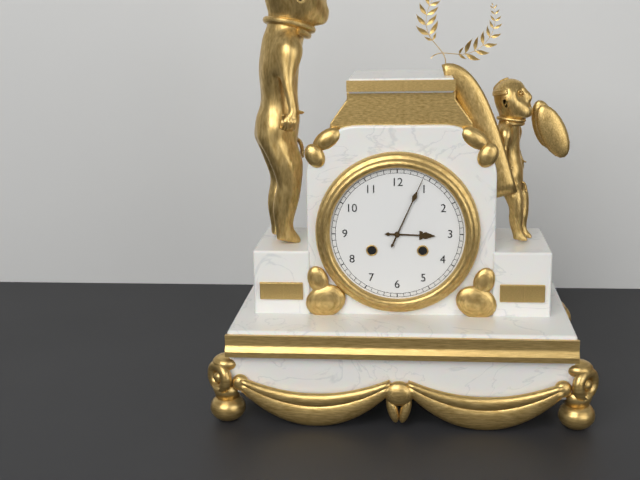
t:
3,04
